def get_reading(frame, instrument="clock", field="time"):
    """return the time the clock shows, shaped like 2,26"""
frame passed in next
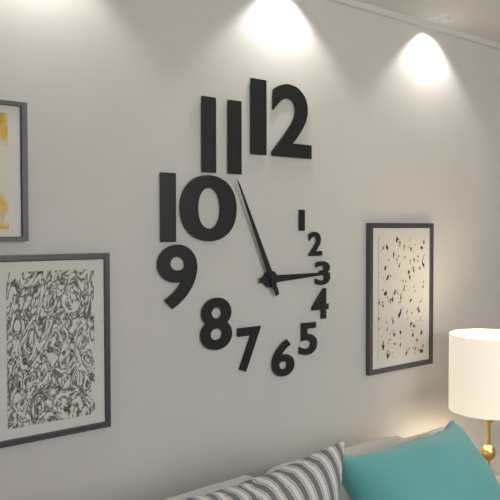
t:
2,56
